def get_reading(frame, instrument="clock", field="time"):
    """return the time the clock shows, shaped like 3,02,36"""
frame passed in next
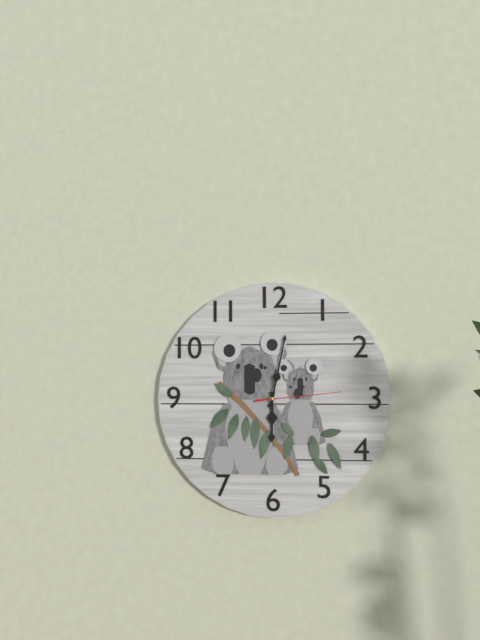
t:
6,02,14
